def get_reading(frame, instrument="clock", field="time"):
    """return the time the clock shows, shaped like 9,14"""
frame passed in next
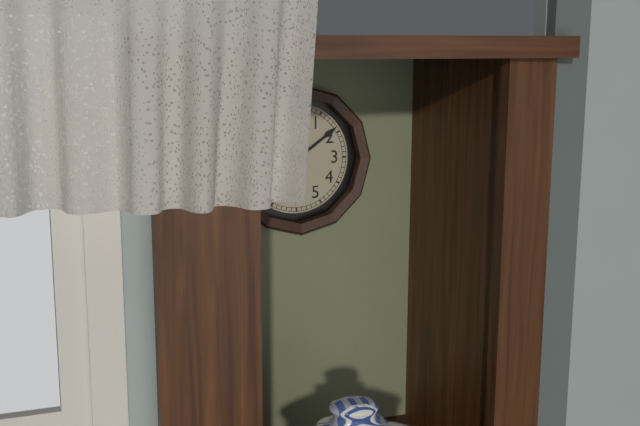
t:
10,09
